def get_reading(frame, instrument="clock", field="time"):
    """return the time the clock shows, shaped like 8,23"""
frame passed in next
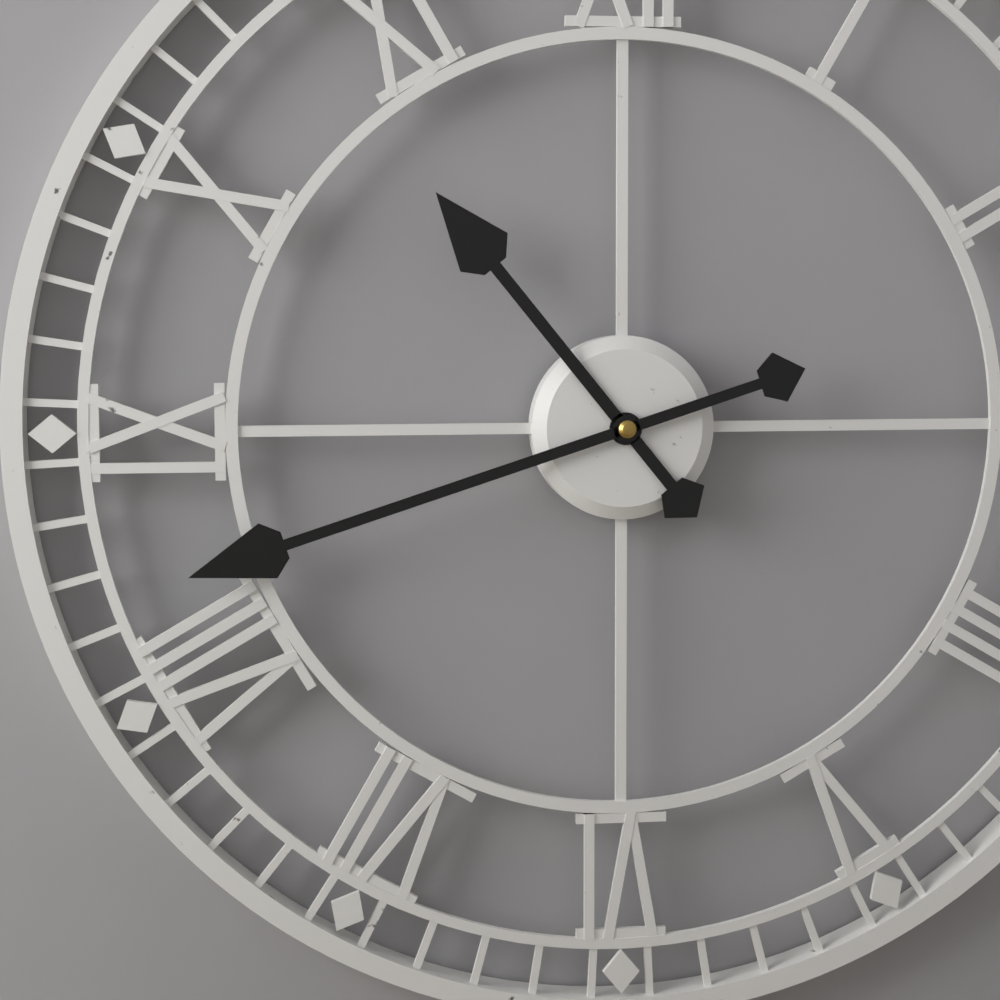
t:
10,42
